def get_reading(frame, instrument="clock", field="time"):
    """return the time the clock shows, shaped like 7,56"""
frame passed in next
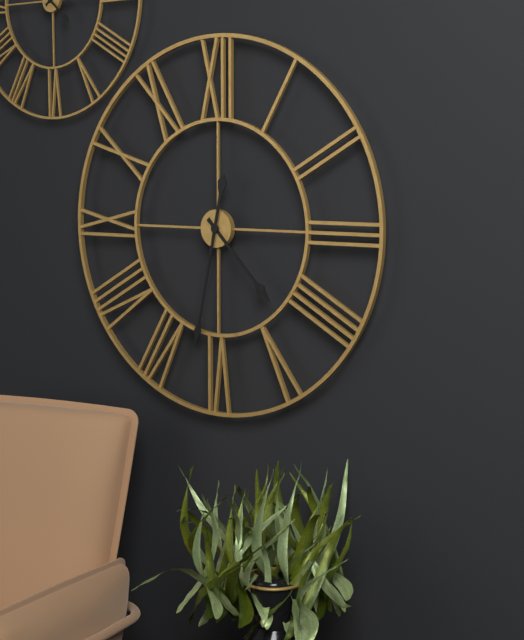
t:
4,32
